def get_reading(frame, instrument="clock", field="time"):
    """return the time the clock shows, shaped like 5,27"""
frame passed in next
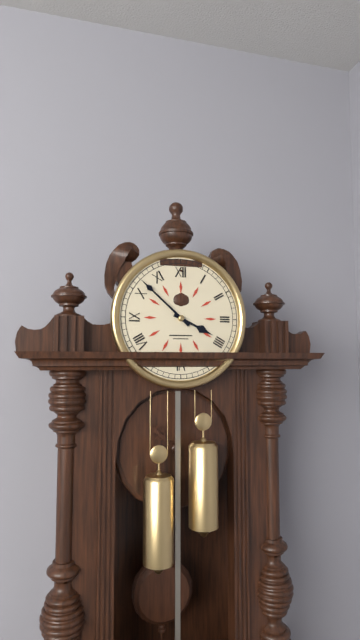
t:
3,52
